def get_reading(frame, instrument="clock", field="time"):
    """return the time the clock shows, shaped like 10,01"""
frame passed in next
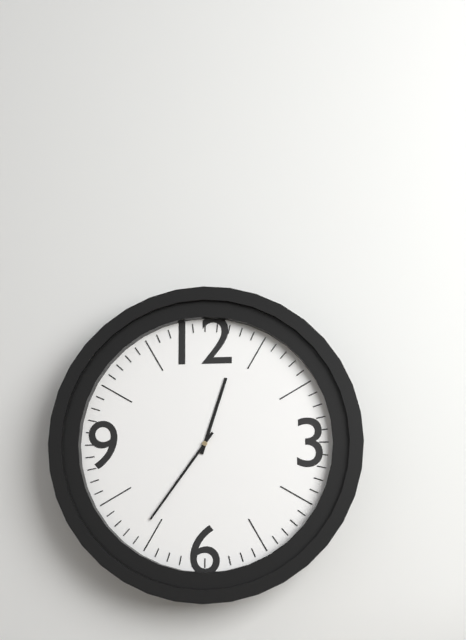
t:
12,36
